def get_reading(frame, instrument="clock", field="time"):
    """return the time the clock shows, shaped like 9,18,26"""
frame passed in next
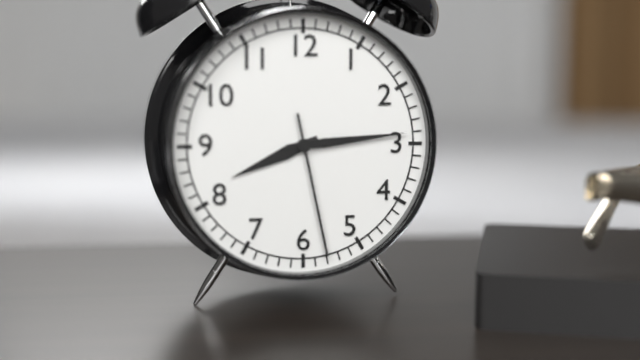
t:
8,14,28
